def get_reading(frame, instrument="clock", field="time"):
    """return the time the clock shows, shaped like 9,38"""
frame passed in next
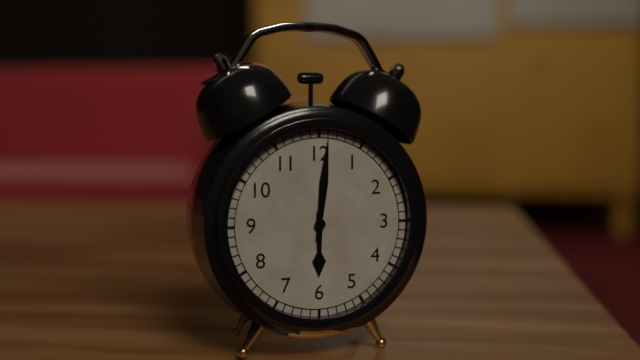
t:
6,01
